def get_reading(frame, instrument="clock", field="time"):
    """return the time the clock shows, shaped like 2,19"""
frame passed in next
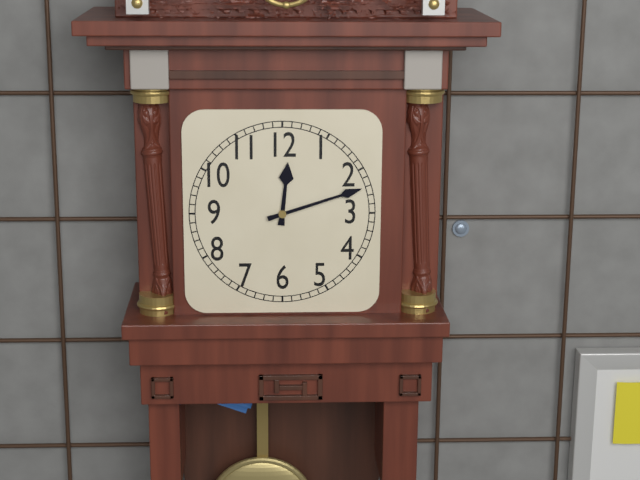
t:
12,12
